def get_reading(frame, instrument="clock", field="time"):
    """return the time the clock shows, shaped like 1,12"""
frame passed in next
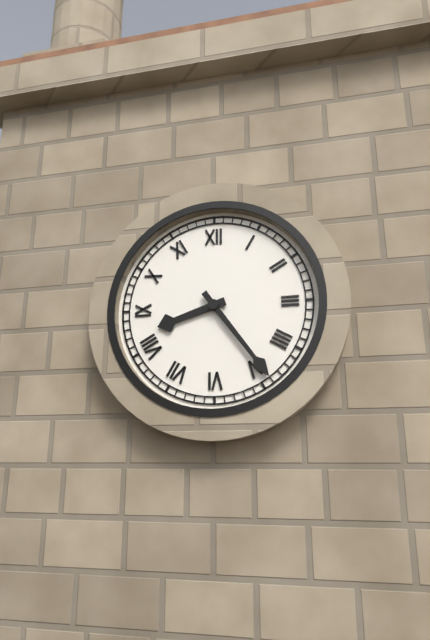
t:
8,24
